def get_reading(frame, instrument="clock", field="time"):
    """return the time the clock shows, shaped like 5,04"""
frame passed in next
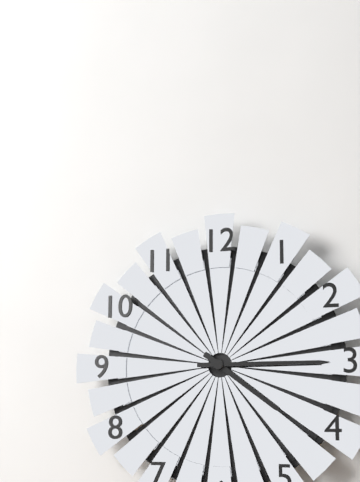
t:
4,15
